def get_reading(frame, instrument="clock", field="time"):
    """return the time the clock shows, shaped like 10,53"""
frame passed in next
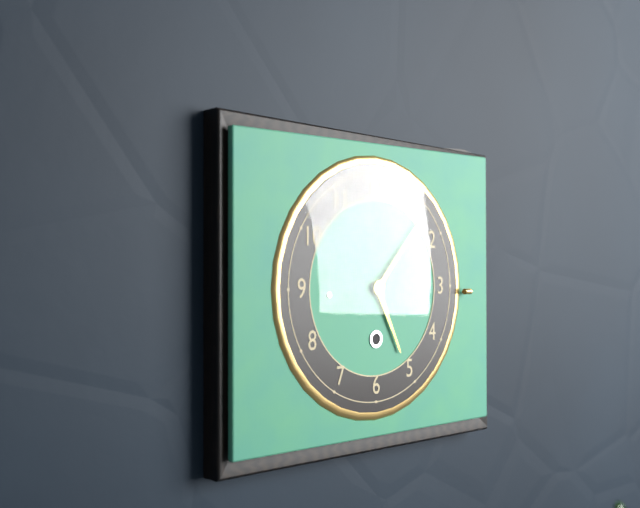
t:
5,07
